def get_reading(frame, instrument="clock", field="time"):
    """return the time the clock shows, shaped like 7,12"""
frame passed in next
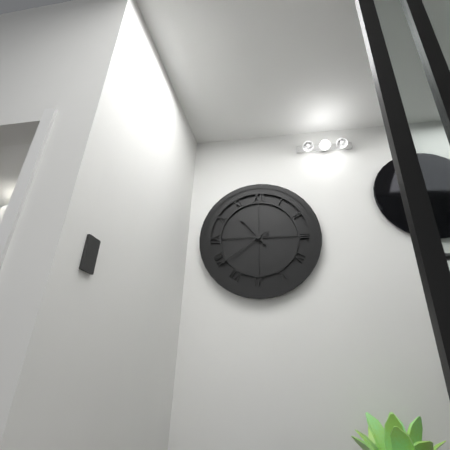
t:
10,39
